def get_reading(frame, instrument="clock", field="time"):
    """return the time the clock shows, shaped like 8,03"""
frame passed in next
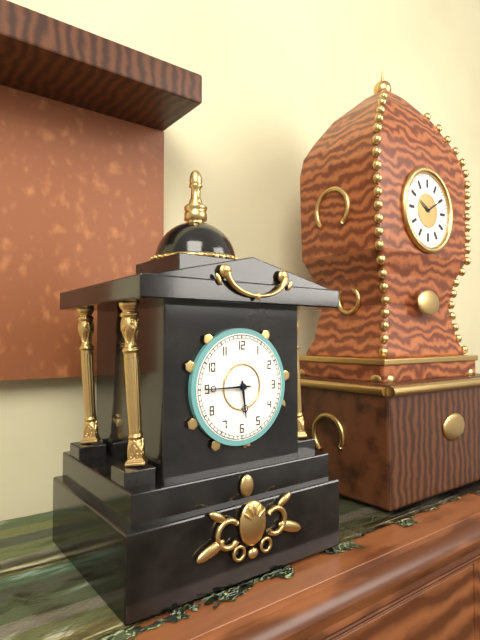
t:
5,45
